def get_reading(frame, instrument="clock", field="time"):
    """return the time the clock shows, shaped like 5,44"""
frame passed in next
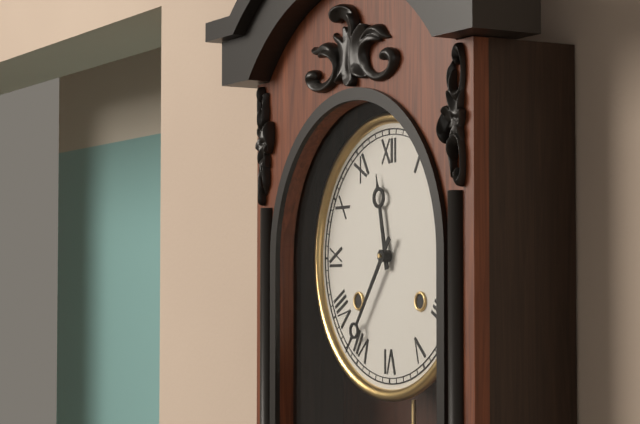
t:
11,36
